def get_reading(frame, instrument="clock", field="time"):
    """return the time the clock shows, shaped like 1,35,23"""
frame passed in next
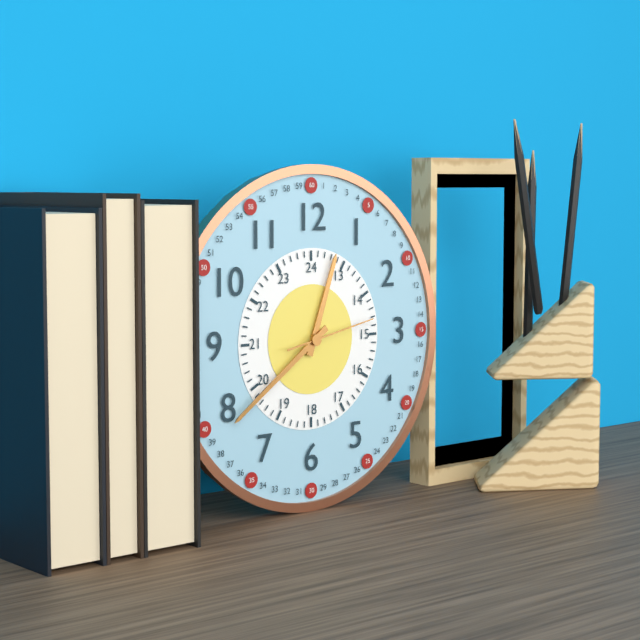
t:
12,39,13
